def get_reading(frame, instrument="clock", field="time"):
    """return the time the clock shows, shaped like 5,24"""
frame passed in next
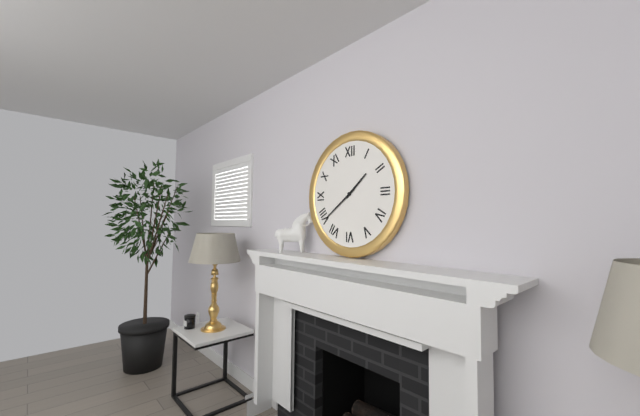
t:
1,39
